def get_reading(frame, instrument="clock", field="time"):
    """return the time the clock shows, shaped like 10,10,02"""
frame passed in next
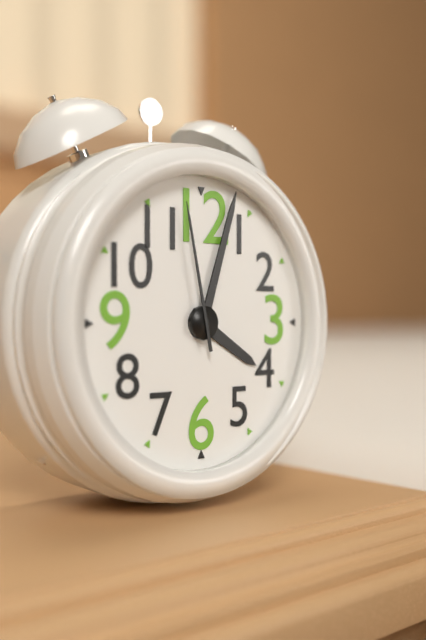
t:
4,03,58
